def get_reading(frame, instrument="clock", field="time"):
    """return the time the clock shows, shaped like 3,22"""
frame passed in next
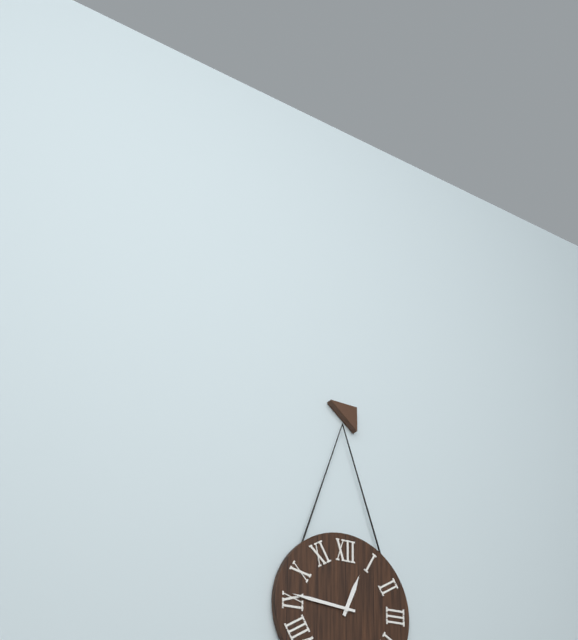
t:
12,46
